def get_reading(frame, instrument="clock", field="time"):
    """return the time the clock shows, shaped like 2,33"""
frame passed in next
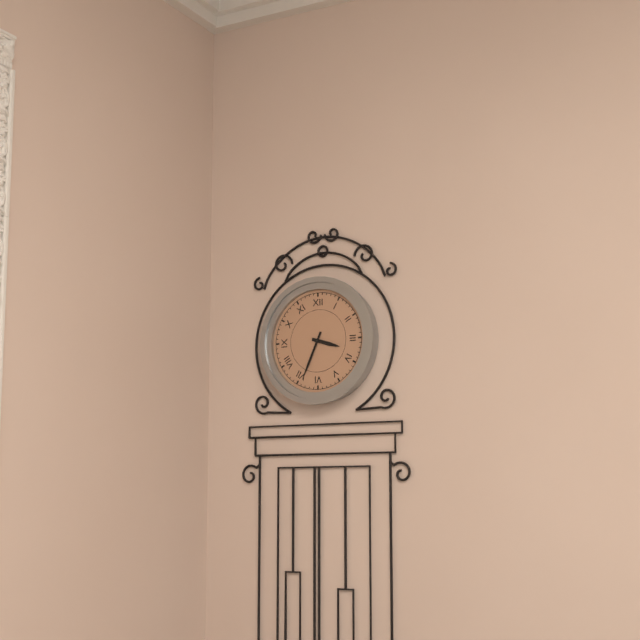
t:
3,34
